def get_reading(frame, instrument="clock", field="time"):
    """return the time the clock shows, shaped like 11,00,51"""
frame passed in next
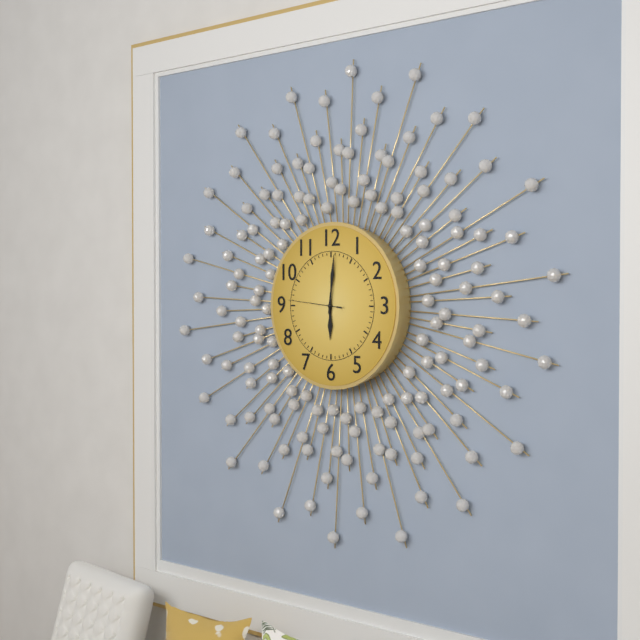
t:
6,01,46
